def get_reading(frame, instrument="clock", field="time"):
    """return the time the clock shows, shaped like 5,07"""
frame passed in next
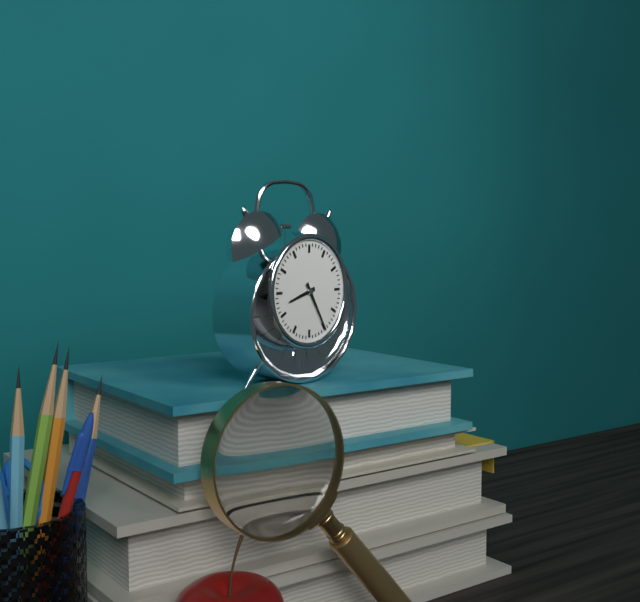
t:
8,25
